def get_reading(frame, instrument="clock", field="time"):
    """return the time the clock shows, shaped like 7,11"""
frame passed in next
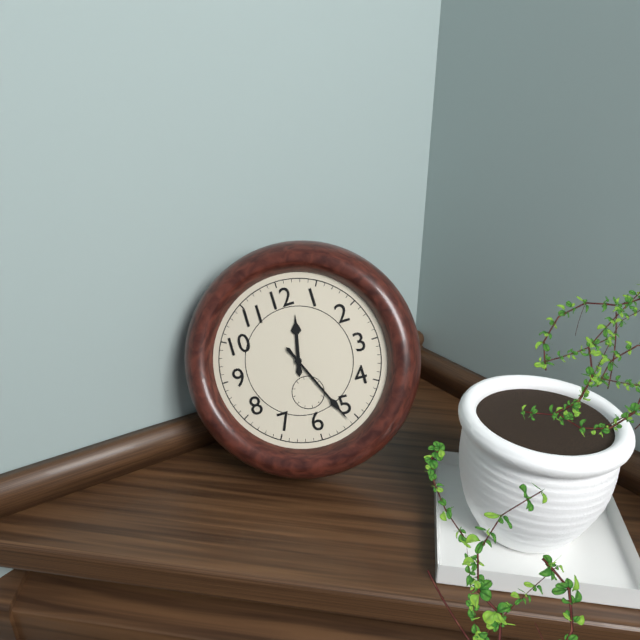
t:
12,26
